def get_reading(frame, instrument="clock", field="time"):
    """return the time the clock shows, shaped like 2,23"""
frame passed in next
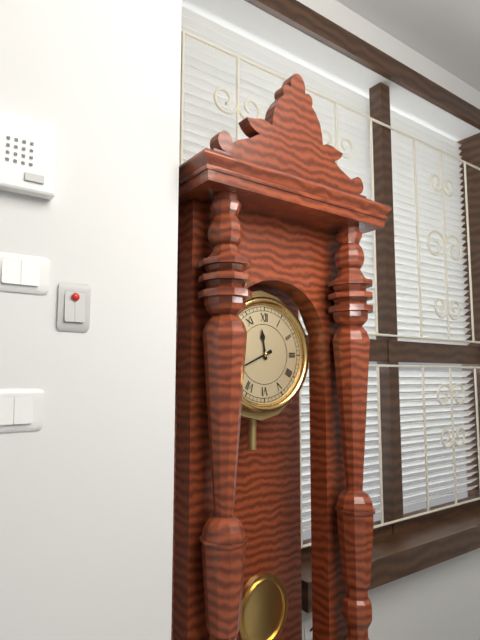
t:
11,41
